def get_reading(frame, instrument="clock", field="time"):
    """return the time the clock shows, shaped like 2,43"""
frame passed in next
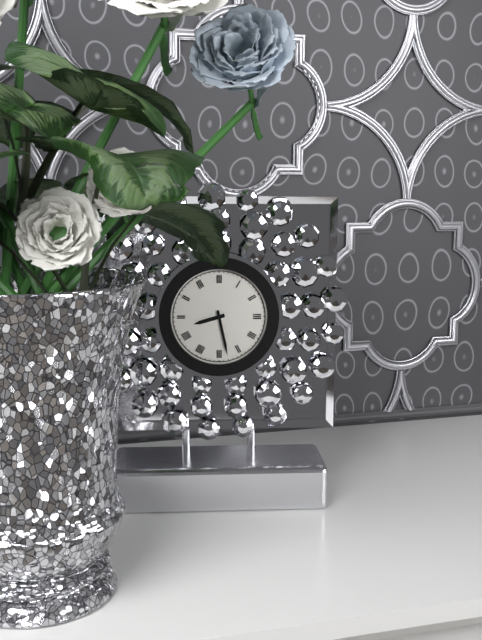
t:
8,28
